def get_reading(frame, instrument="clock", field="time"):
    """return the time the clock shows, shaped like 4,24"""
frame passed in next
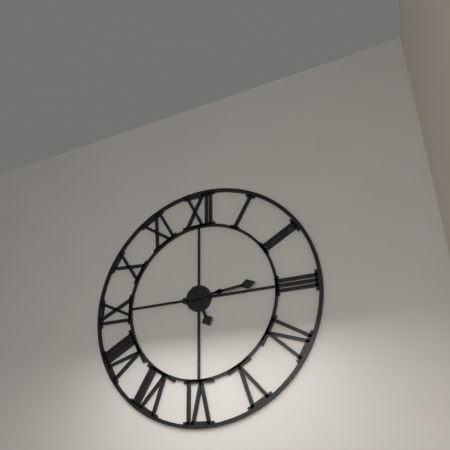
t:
5,14
